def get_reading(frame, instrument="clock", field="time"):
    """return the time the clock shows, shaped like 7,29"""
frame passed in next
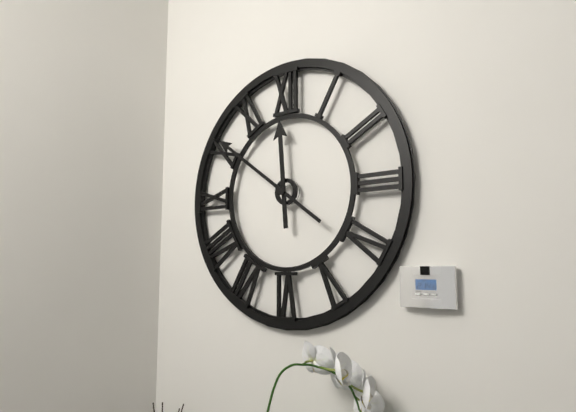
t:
11,51
